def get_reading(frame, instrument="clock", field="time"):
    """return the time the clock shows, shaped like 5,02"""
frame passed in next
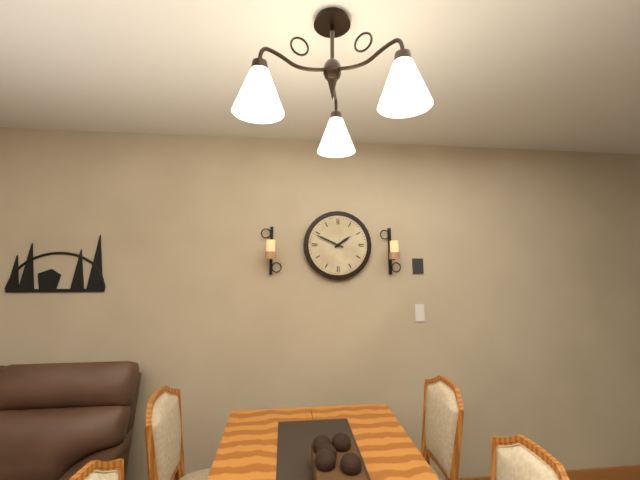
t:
1,49
